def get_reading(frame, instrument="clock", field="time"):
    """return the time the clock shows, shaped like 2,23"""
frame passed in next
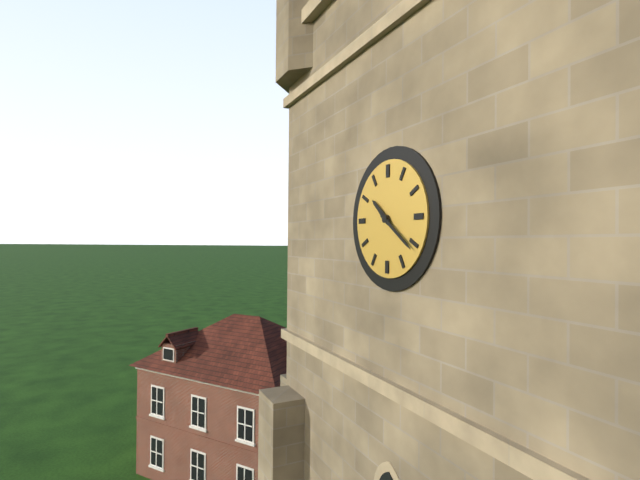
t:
10,21
